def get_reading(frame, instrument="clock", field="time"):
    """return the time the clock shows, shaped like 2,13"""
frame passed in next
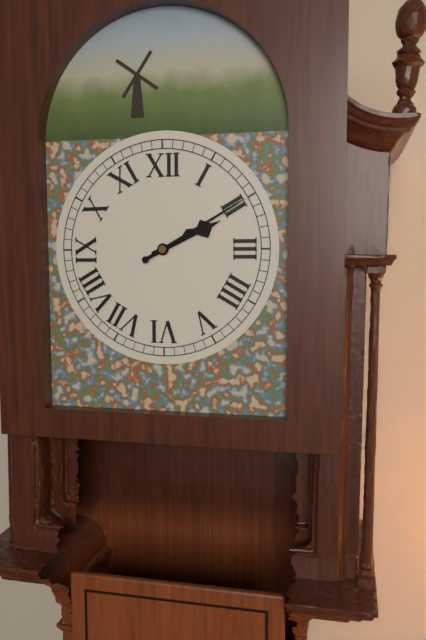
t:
2,10
